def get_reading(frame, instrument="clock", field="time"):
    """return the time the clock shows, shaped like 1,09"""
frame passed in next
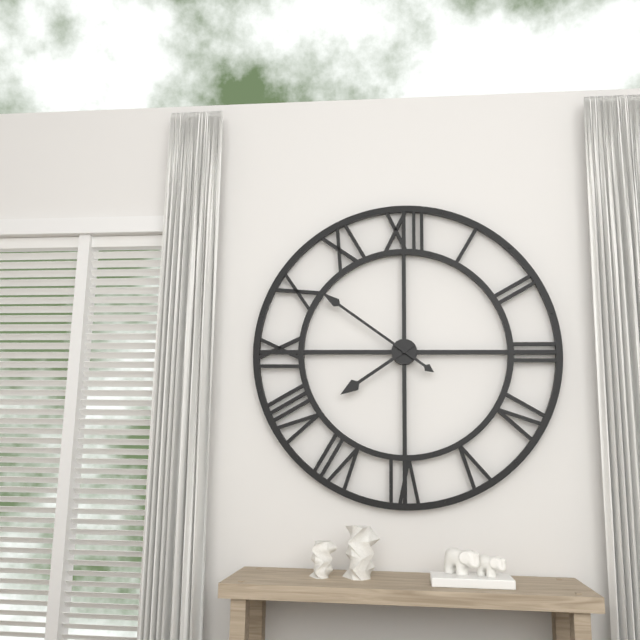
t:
7,51
